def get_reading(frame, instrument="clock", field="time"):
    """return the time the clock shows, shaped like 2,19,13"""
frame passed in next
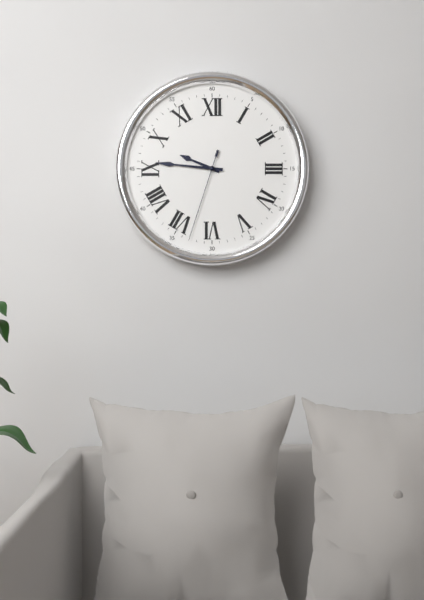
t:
9,46,33
